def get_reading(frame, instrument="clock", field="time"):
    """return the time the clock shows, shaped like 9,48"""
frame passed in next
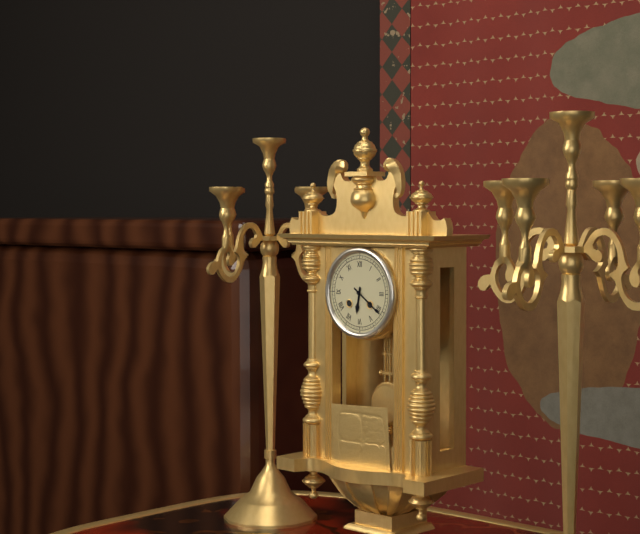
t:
6,21
